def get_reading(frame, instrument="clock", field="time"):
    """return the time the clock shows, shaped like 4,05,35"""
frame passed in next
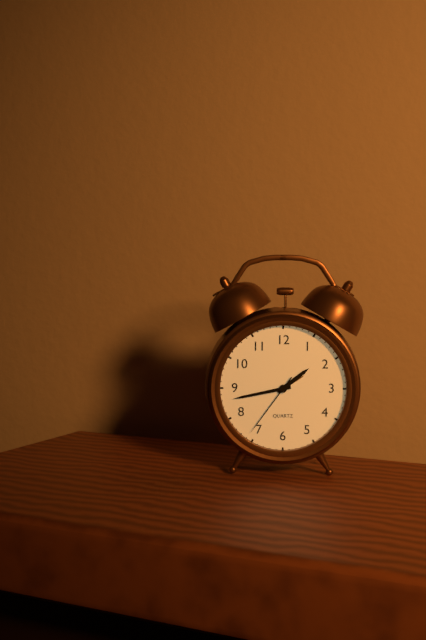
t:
1,43,36
